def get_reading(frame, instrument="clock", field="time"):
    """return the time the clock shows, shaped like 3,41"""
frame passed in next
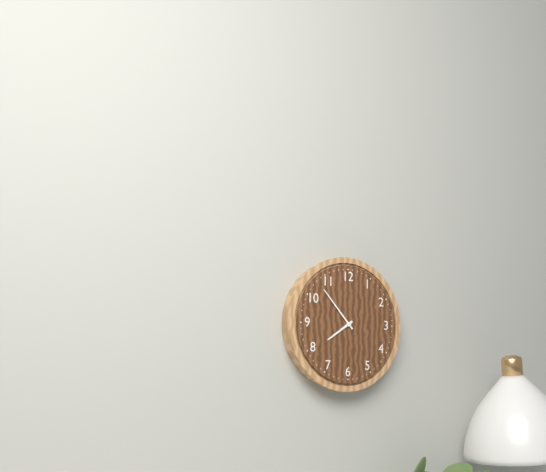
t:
7,53
